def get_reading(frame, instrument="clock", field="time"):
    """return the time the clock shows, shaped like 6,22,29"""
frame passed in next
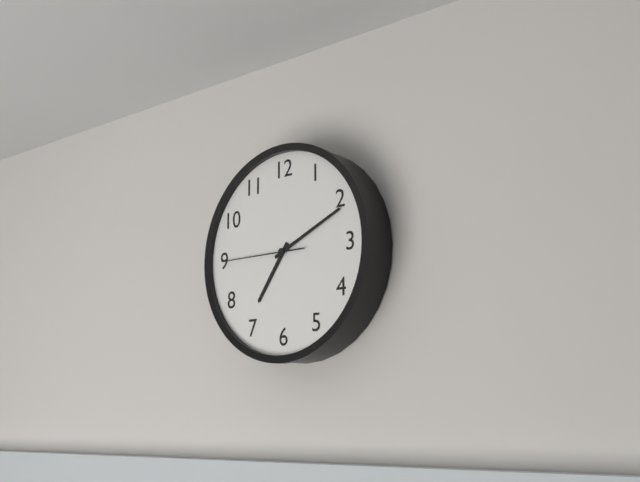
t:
7,11,45
